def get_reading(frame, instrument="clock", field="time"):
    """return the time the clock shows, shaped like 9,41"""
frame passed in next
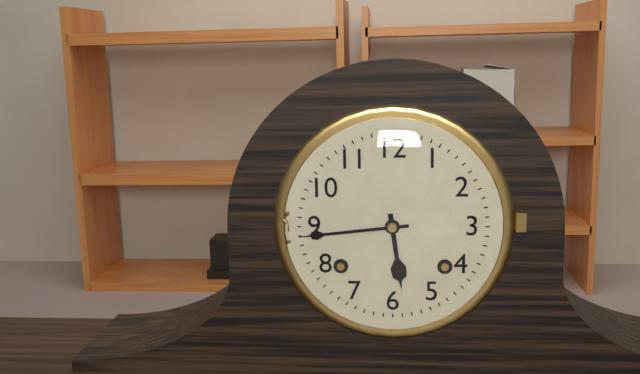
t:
5,44
